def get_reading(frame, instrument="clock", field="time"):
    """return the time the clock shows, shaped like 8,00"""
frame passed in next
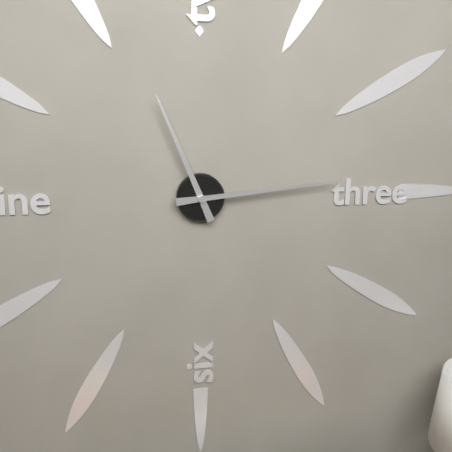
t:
11,14
